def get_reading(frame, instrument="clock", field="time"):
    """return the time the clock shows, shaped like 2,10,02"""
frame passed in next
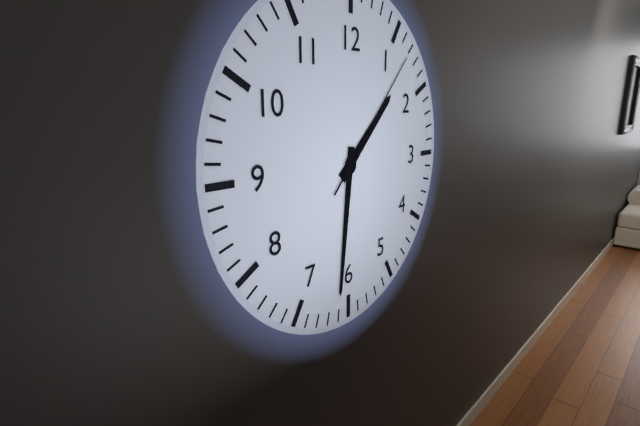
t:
1,31,07
